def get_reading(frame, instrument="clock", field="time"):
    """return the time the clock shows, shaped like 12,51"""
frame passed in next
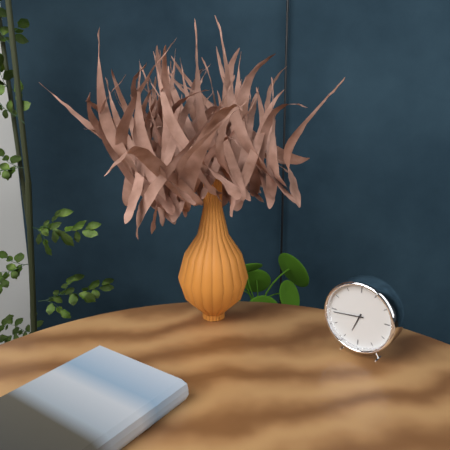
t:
6,44
